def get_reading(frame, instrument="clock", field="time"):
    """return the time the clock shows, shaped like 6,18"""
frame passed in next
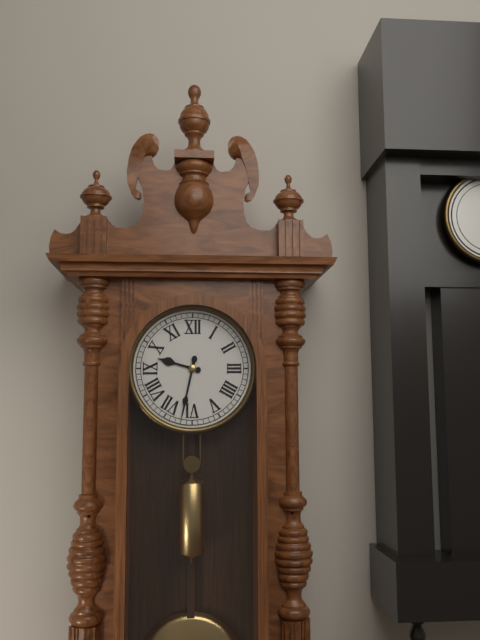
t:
9,32
